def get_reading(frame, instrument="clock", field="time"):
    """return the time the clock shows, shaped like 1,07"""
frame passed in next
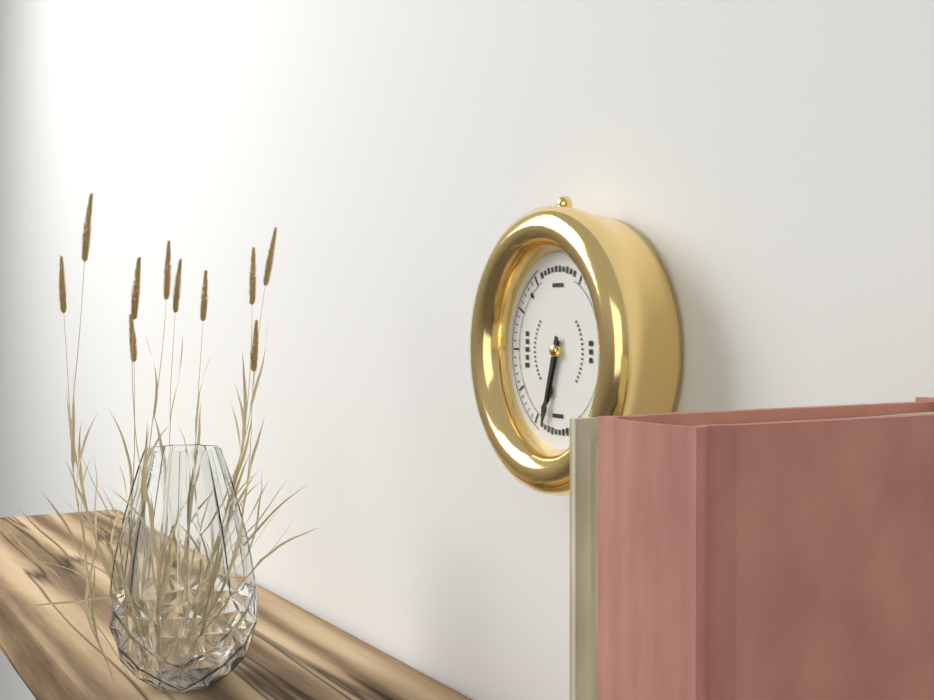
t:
6,33
